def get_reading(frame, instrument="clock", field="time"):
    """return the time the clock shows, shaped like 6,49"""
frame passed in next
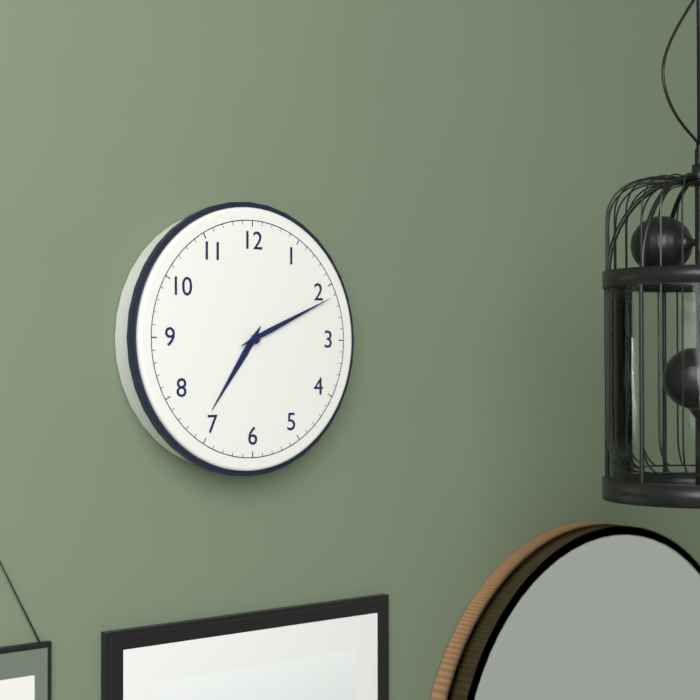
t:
7,11
